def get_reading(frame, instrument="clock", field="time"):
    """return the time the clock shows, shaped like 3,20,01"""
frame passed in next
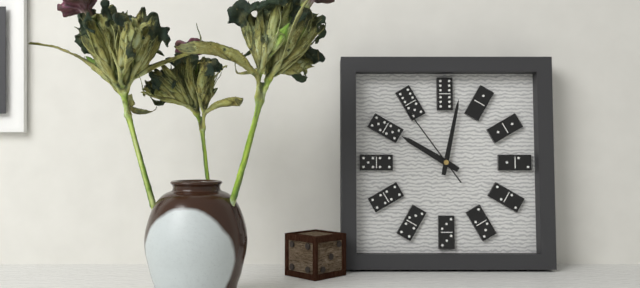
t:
10,02,54
